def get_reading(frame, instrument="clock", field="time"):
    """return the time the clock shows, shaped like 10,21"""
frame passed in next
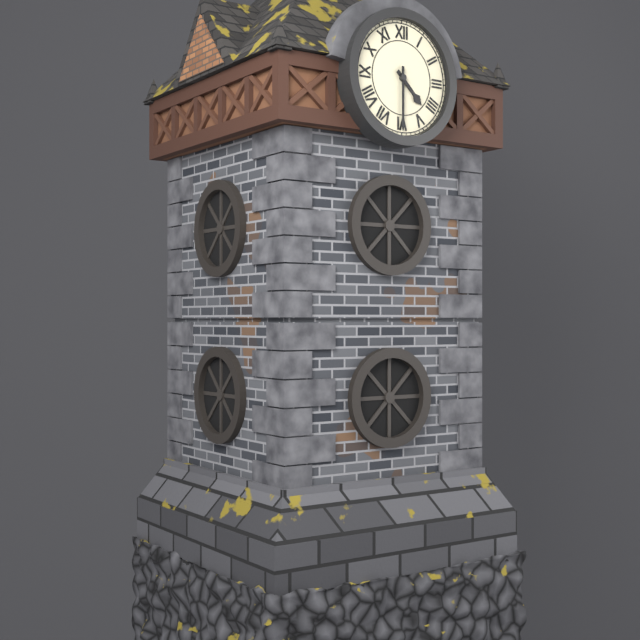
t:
4,30
